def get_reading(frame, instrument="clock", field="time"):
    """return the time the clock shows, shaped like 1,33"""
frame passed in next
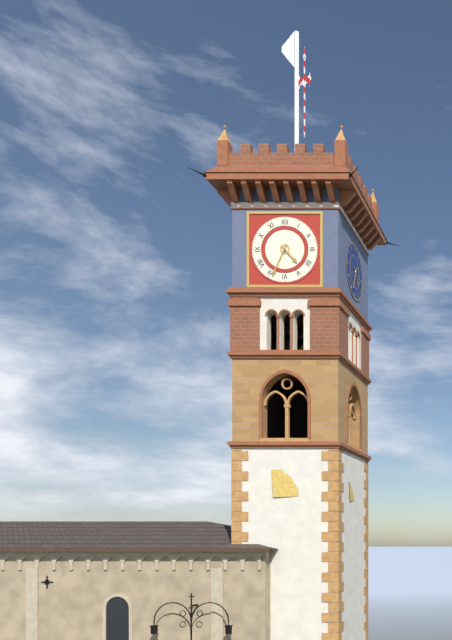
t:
4,34
